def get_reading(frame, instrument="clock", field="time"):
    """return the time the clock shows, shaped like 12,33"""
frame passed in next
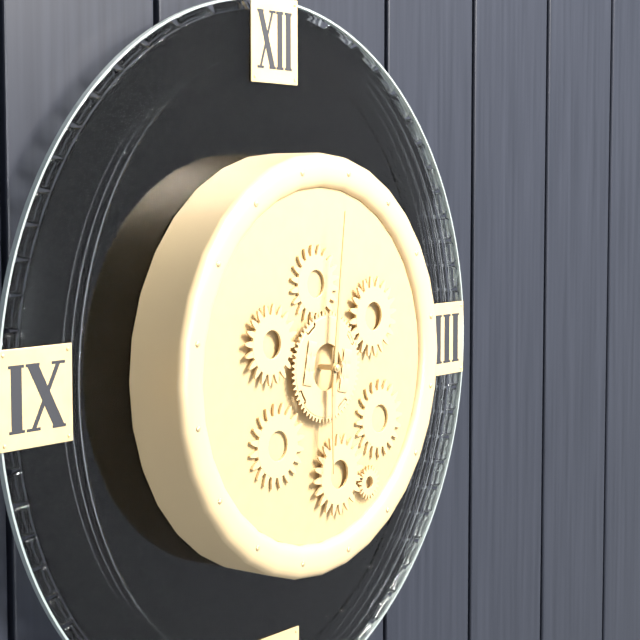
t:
6,01
